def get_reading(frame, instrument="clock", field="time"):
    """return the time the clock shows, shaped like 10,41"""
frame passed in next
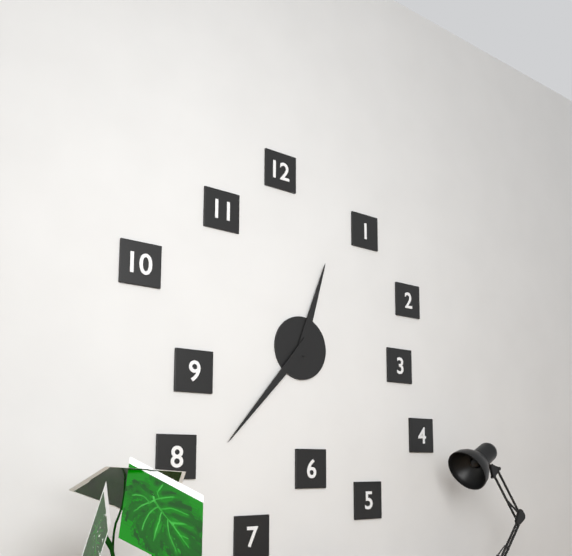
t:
12,37
